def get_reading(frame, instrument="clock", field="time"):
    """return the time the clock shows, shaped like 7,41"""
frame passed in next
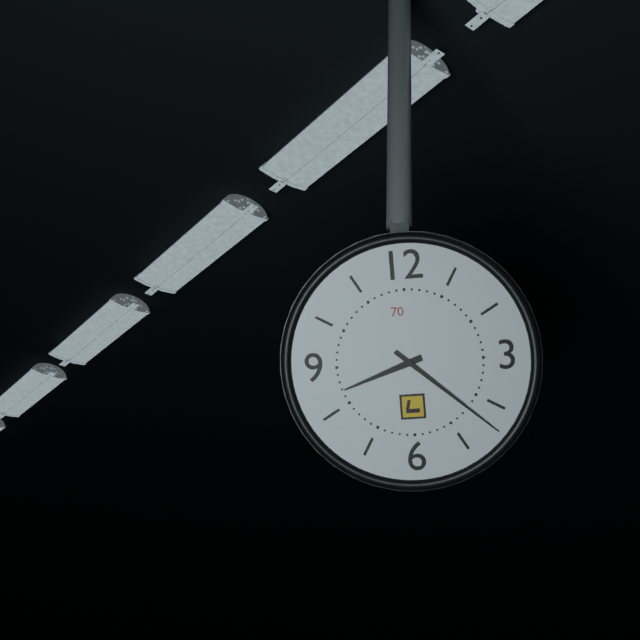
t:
8,22
